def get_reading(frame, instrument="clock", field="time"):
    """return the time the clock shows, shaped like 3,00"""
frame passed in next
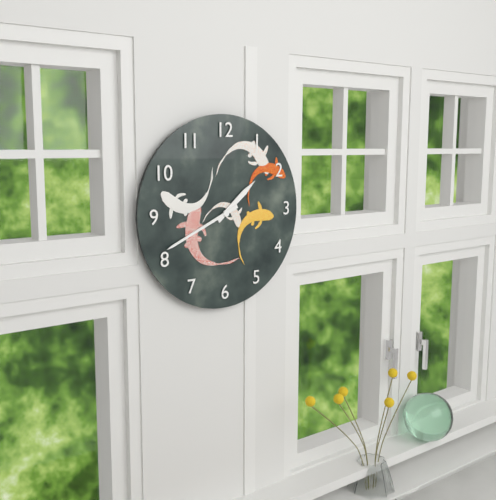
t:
1,41
